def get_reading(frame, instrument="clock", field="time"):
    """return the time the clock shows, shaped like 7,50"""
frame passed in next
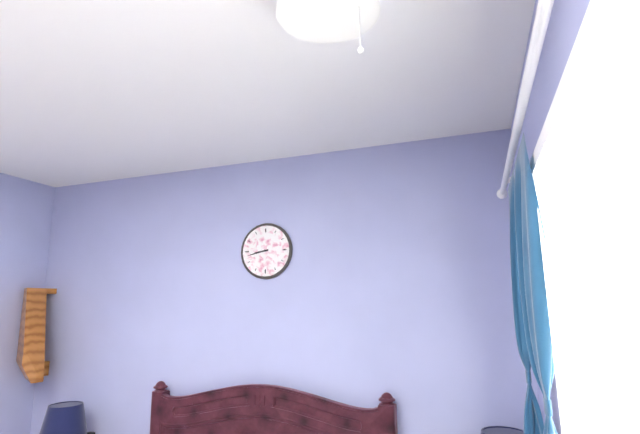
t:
8,43
